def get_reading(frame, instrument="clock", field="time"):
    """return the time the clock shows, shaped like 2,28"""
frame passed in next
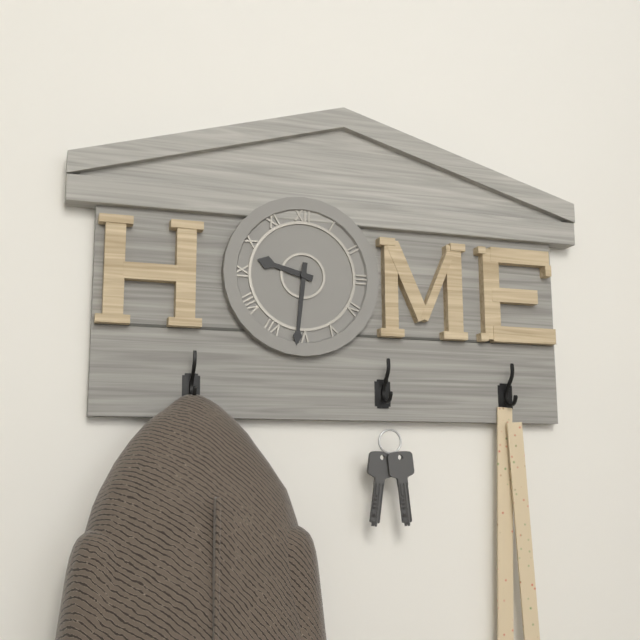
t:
9,31
